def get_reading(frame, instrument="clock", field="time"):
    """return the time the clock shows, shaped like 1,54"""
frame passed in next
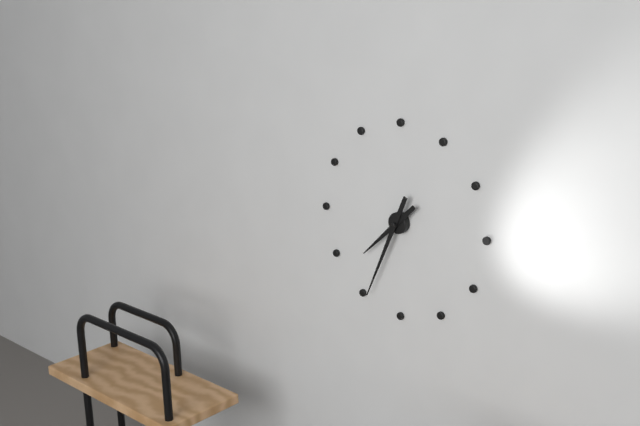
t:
7,34
